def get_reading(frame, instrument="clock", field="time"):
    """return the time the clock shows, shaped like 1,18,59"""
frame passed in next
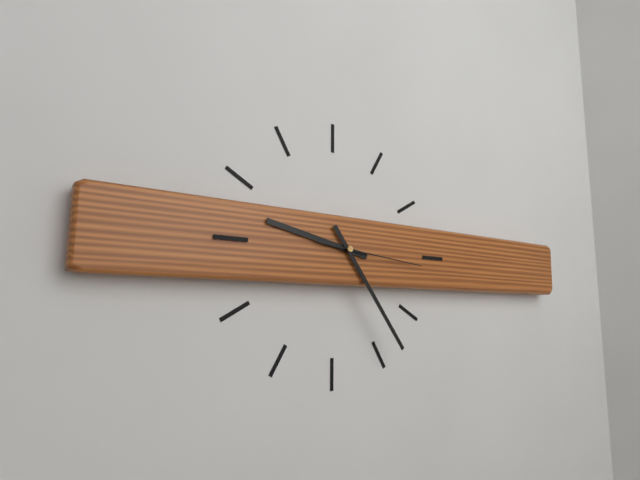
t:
9,24,16
